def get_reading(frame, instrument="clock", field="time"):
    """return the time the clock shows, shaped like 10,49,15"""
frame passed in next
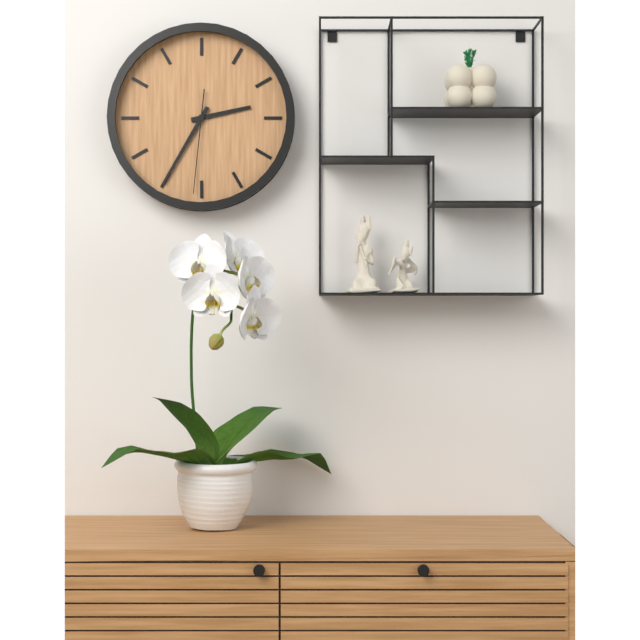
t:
2,35,31
